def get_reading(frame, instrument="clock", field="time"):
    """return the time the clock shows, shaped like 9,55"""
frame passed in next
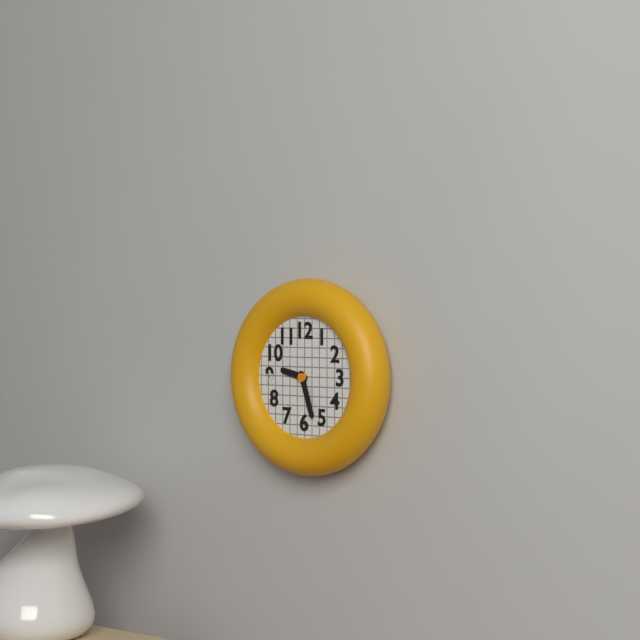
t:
9,27
